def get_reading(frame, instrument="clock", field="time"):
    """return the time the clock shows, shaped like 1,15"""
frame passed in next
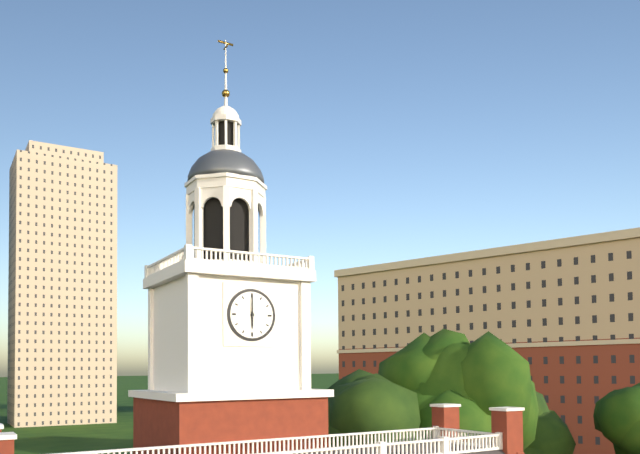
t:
6,00
